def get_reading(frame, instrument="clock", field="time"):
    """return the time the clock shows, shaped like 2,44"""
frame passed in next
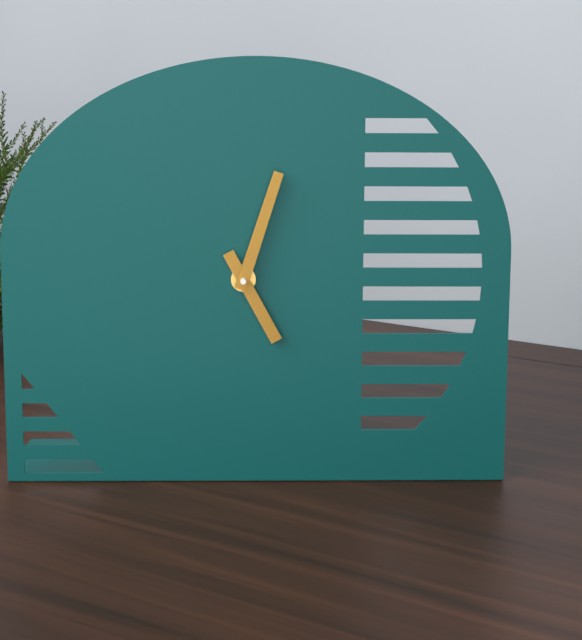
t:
5,03
